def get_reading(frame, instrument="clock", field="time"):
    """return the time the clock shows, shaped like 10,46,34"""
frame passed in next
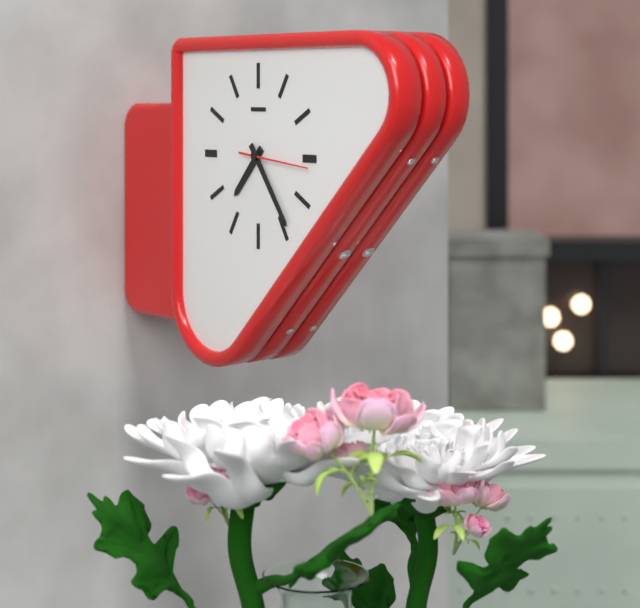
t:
7,24,16
